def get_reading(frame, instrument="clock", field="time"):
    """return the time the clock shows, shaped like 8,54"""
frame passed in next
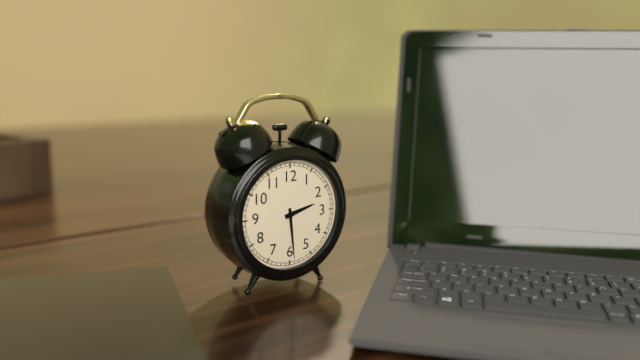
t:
2,29
